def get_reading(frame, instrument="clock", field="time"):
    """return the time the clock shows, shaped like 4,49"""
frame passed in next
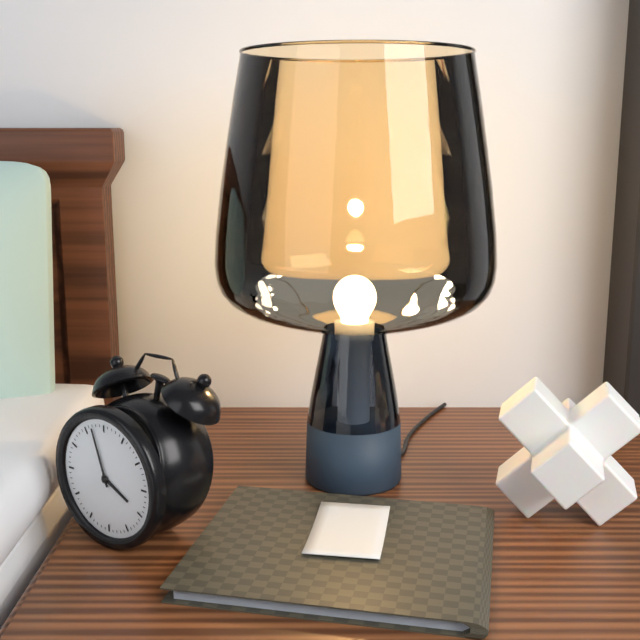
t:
3,57
